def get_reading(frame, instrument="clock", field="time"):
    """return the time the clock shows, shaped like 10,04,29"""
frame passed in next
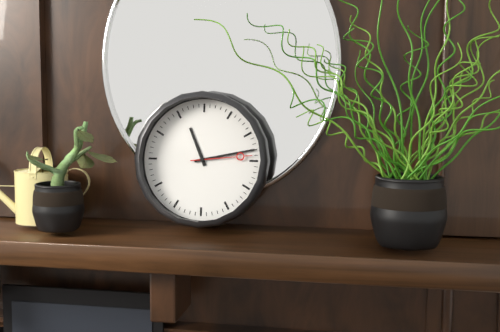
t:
11,13,14
